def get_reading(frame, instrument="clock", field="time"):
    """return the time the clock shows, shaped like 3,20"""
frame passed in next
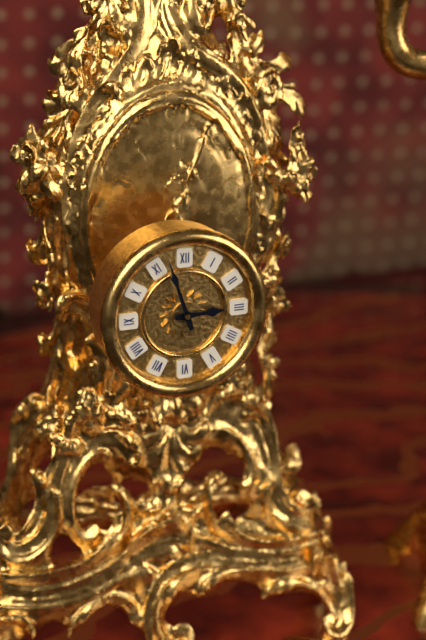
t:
2,57
